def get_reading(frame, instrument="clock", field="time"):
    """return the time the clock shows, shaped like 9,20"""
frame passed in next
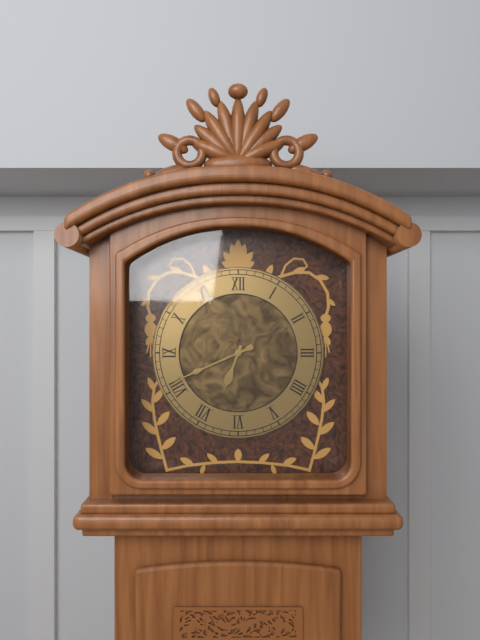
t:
6,41
